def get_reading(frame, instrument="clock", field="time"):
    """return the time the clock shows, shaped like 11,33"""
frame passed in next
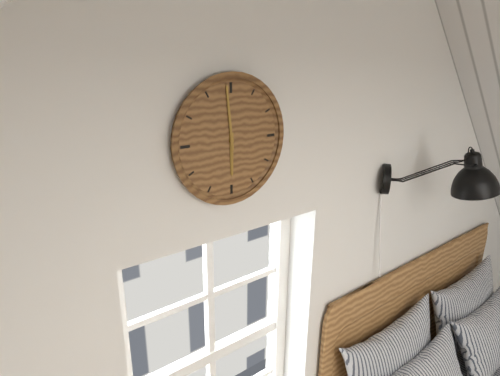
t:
5,59
